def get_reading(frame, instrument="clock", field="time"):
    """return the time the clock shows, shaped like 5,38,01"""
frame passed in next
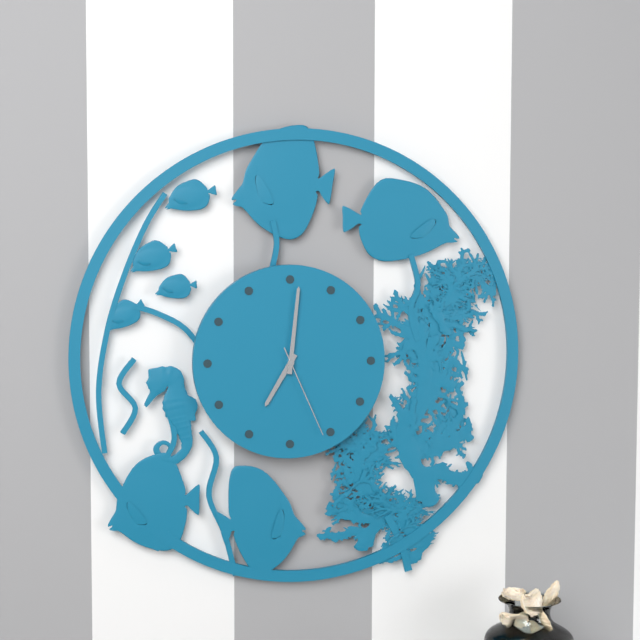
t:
7,01,26
